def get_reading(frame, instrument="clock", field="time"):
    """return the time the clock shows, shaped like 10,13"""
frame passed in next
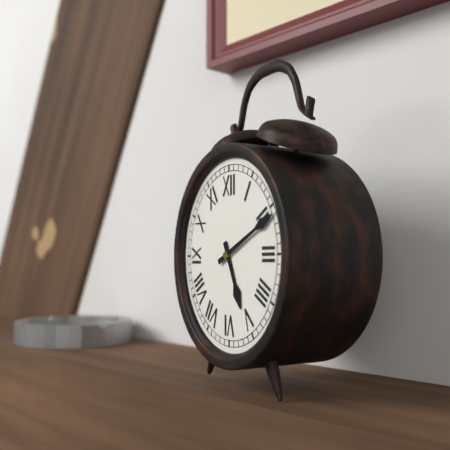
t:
5,11
